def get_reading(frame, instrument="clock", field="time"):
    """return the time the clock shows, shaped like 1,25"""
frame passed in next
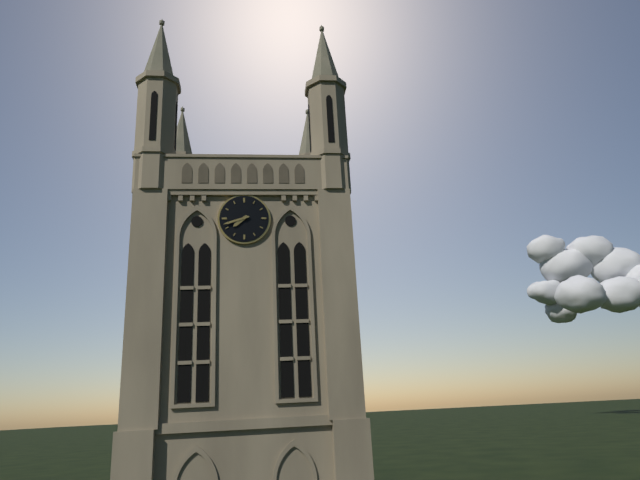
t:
7,42
